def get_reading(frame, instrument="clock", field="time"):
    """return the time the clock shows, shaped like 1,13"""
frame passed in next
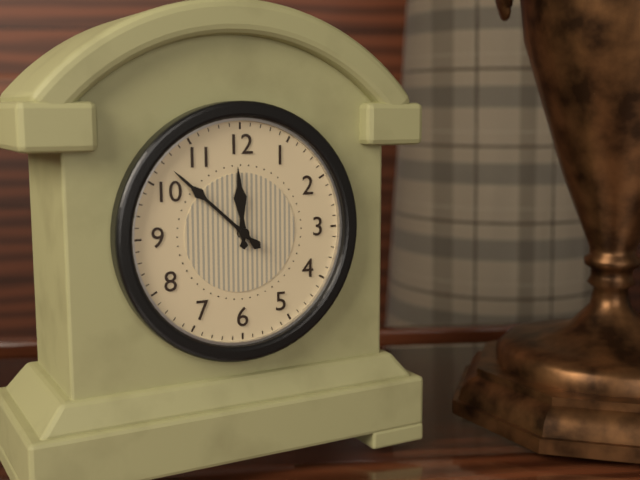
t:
11,52
